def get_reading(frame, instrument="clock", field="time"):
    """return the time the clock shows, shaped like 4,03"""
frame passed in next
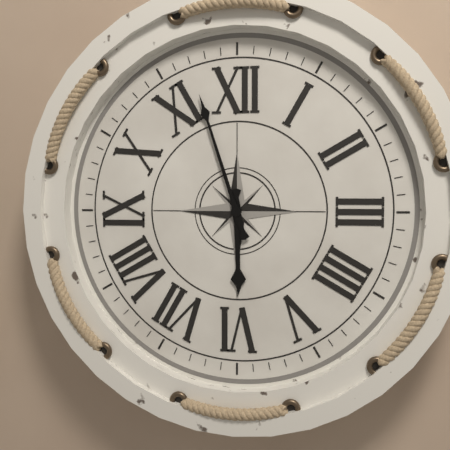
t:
5,57
